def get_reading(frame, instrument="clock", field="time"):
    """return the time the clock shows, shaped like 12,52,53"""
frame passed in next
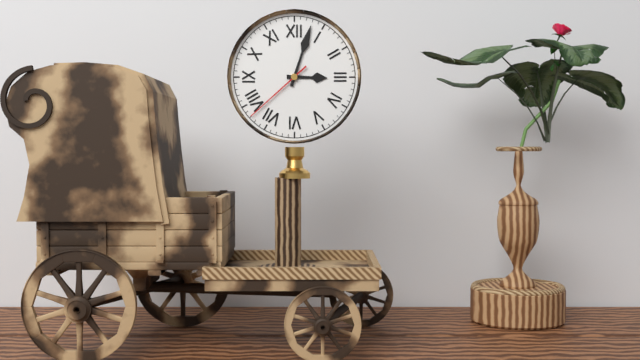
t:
3,03,38
